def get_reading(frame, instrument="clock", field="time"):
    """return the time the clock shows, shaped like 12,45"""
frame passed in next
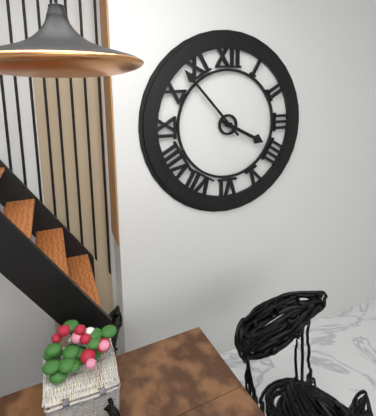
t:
3,53
